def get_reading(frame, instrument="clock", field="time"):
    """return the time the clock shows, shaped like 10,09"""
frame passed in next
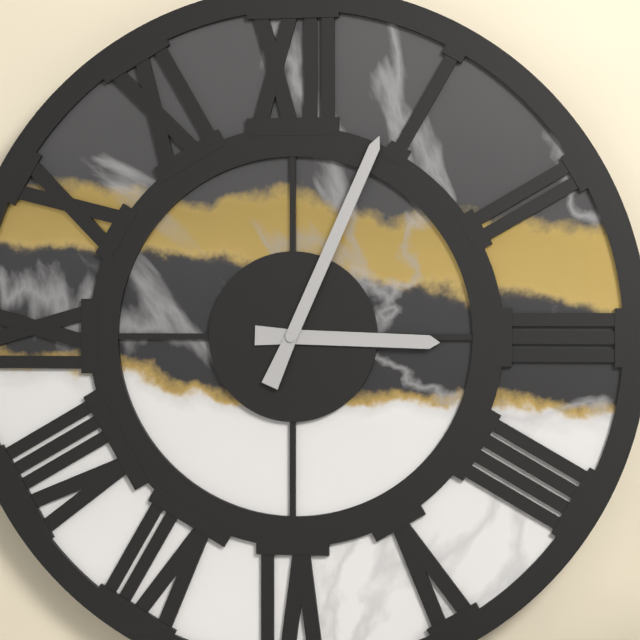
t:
3,04
